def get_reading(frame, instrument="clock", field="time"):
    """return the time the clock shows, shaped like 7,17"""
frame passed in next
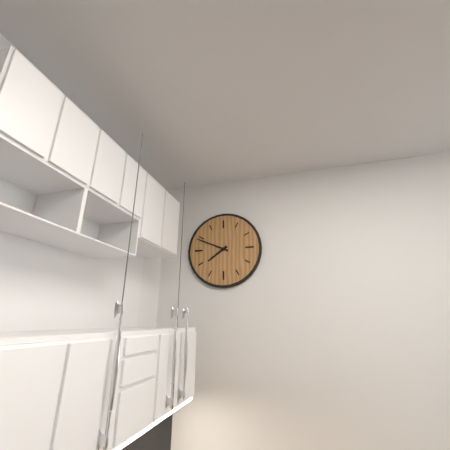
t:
7,49
